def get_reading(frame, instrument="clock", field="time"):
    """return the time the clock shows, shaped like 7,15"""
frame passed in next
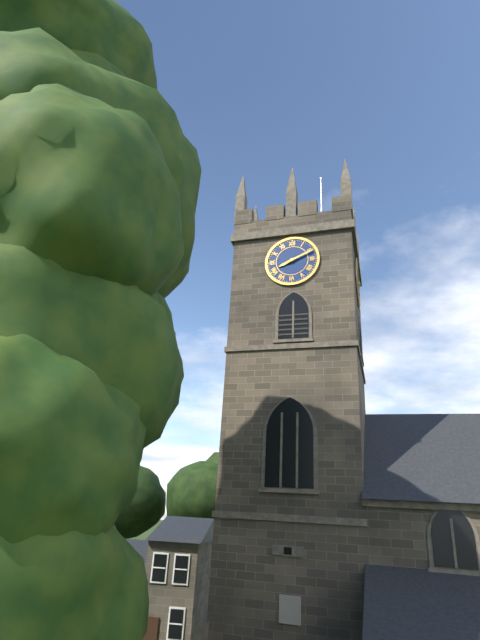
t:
8,11
